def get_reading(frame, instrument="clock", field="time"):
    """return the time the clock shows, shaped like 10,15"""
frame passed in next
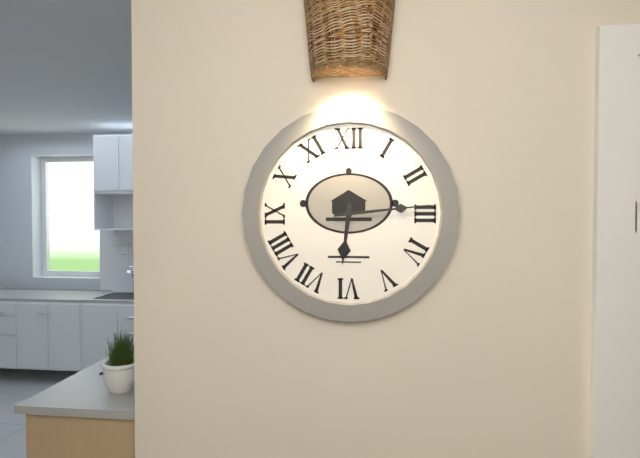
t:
6,14
